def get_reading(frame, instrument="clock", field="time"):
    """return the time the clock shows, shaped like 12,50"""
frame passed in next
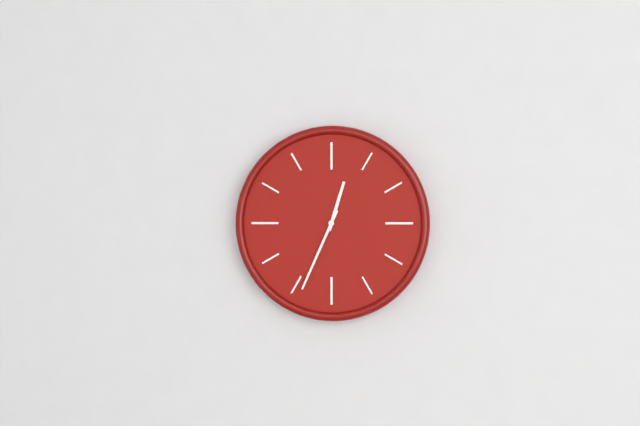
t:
12,34
